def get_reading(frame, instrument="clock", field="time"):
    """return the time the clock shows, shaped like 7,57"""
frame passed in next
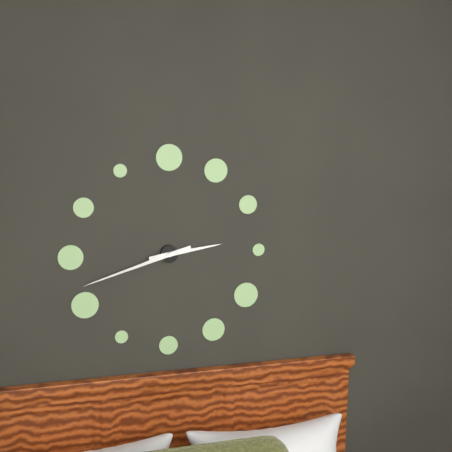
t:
2,42
